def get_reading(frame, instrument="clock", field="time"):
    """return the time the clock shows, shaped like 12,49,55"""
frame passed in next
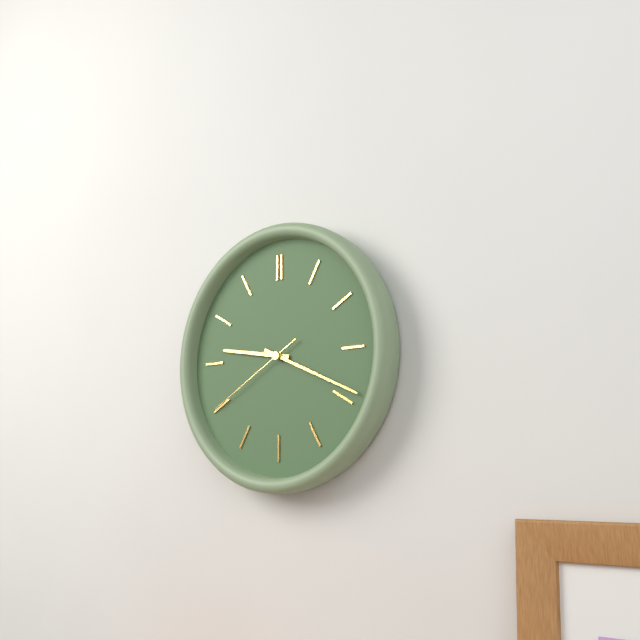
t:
9,19,40
